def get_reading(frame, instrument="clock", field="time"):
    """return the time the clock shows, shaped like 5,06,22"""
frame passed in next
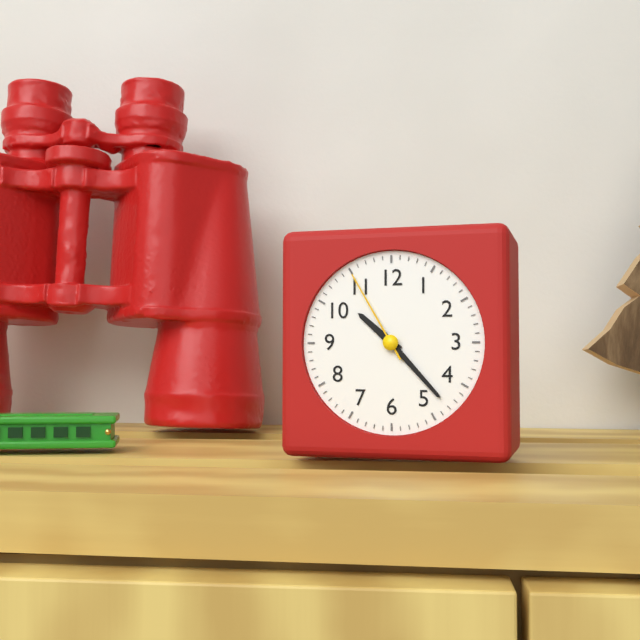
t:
10,23,55
